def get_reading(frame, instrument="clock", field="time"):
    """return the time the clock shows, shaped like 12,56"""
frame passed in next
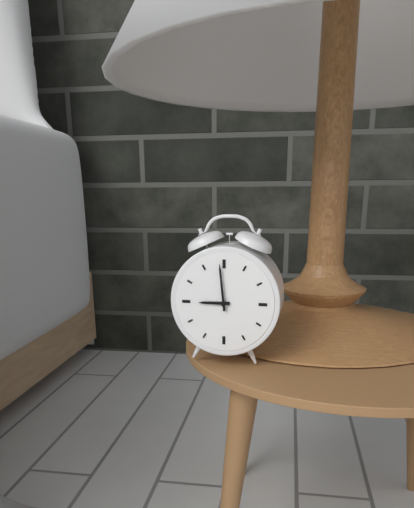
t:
8,59
